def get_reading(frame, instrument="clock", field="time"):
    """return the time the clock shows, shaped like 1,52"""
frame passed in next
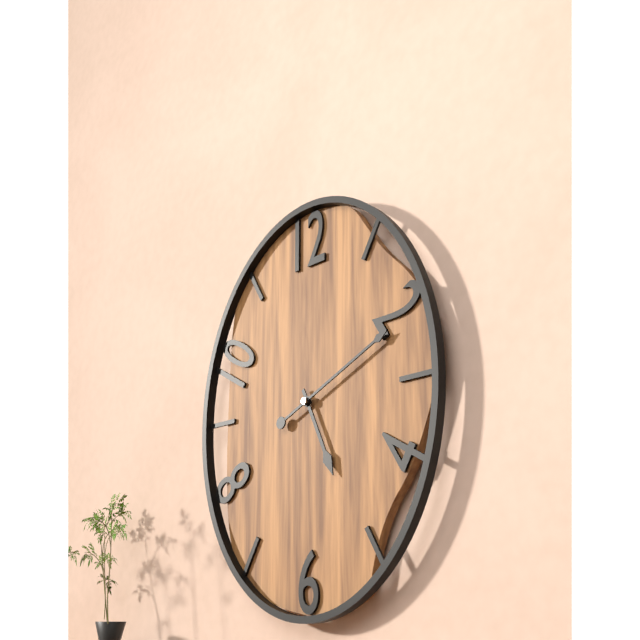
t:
5,11
